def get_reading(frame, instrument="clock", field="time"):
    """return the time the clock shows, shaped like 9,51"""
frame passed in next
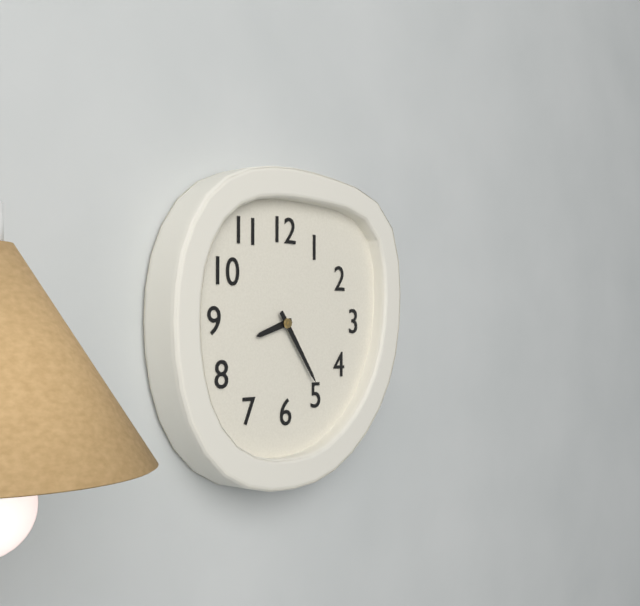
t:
8,24
